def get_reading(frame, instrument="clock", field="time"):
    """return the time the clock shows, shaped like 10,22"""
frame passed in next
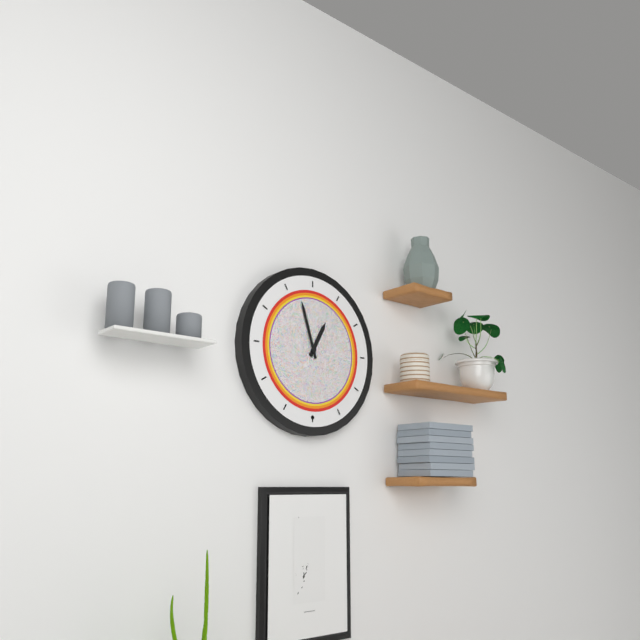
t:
12,57
